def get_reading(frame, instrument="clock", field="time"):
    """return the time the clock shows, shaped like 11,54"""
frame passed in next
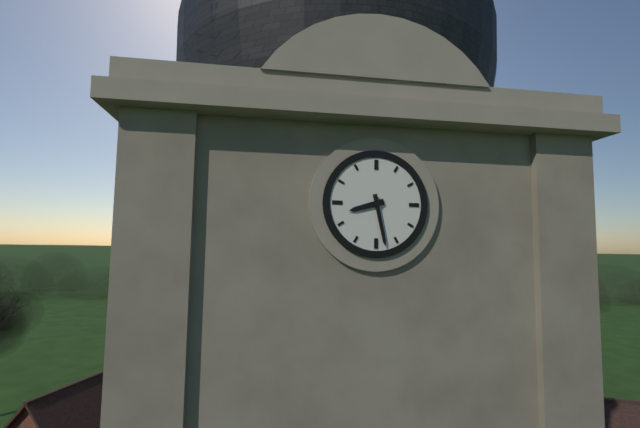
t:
8,28
